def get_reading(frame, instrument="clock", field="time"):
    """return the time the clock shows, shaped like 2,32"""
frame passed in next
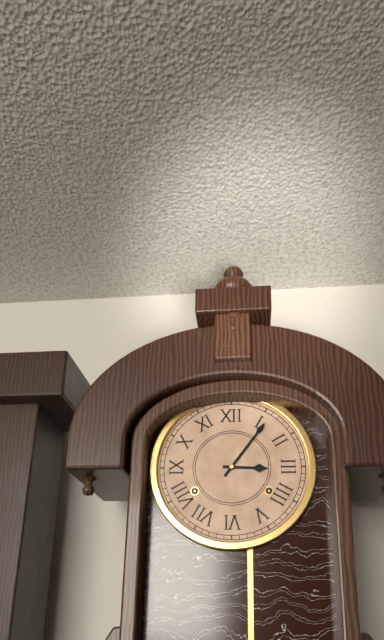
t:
3,06
